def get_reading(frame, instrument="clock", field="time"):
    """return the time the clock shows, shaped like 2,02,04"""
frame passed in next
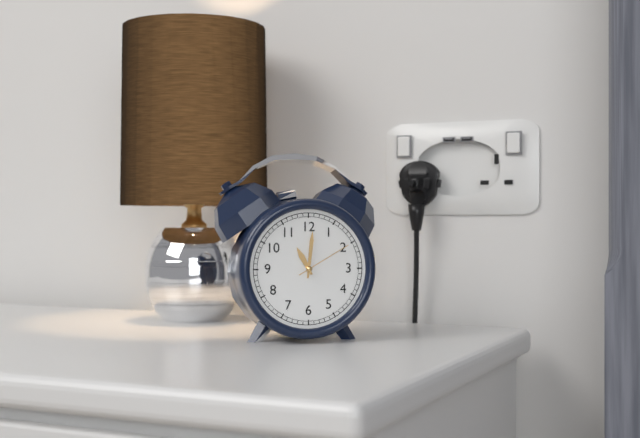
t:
11,01,10
